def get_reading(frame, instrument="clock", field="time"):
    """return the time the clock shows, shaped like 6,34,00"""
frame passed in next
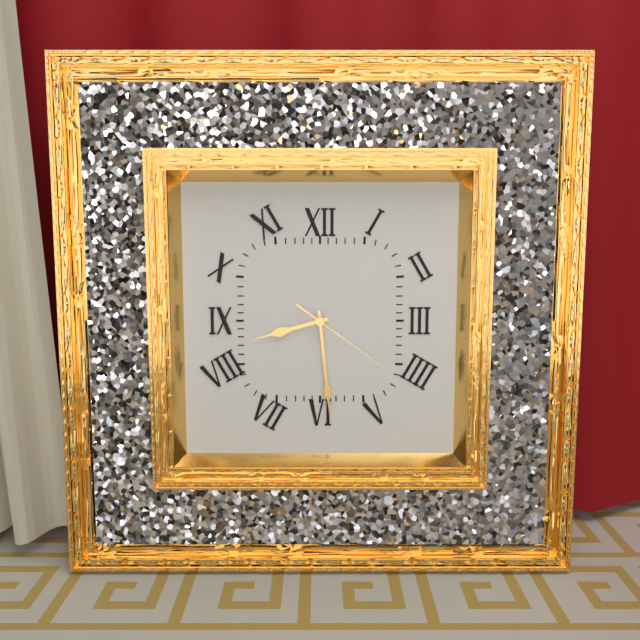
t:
8,29,21
